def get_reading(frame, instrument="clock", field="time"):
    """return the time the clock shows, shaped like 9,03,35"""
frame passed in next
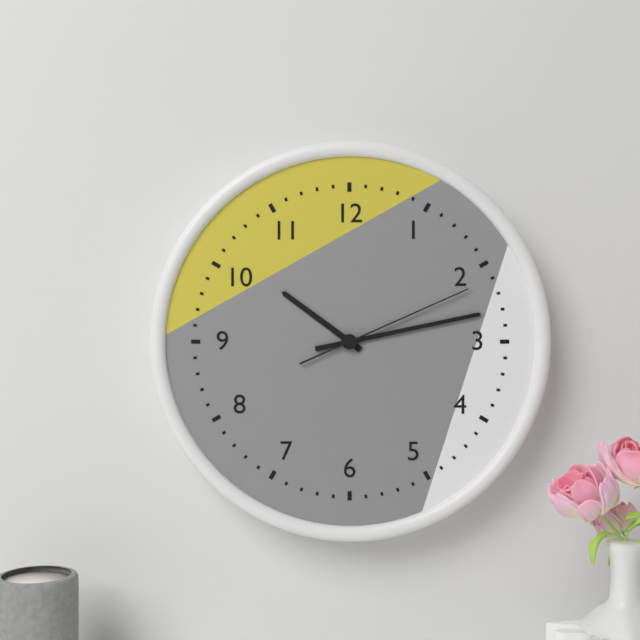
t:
10,13,11
